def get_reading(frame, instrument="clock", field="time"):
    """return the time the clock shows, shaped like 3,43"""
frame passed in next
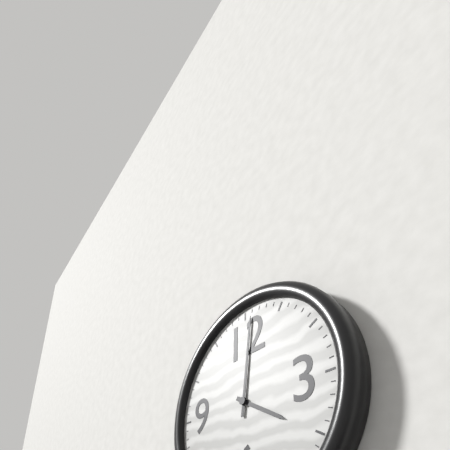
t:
4,01
